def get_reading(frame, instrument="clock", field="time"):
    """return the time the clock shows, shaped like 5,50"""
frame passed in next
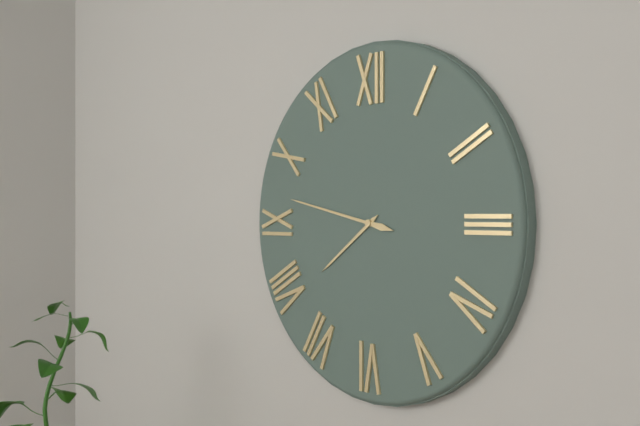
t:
7,47
